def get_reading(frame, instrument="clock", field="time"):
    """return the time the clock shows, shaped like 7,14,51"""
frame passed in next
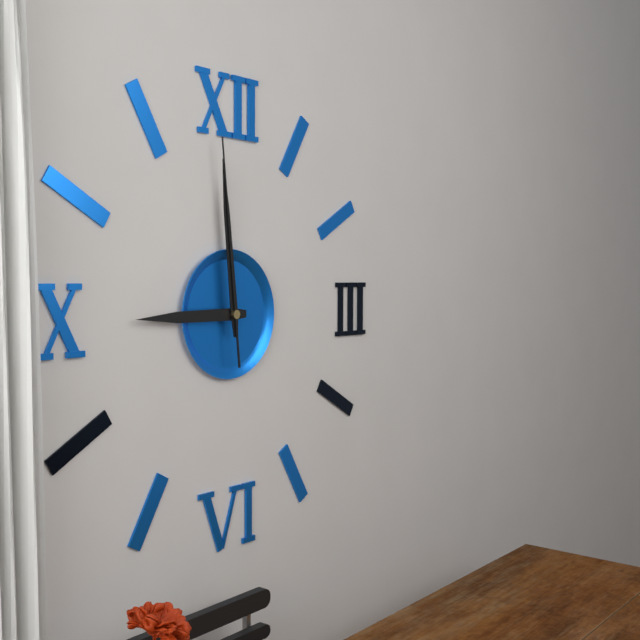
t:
8,59,59
